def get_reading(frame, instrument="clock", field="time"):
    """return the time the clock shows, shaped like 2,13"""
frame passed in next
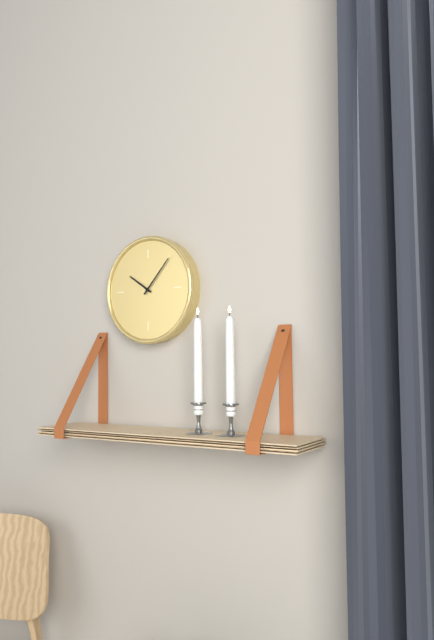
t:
10,07
